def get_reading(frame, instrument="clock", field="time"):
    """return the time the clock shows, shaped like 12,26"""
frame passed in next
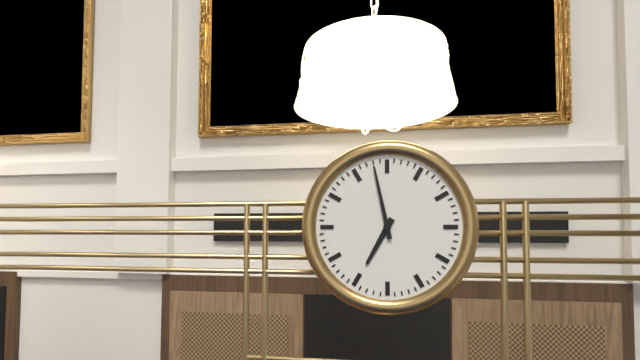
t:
6,58
